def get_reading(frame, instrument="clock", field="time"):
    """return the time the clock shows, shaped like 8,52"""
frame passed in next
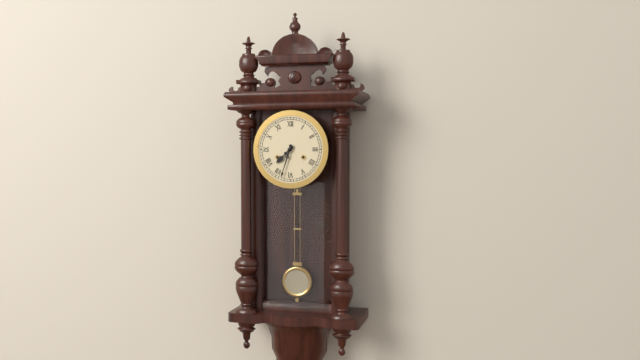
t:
7,33
